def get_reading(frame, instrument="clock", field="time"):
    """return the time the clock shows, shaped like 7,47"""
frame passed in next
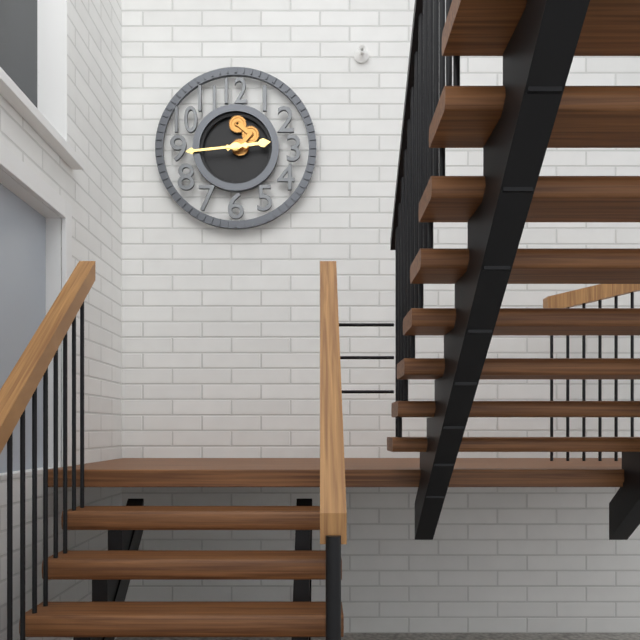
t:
2,44
